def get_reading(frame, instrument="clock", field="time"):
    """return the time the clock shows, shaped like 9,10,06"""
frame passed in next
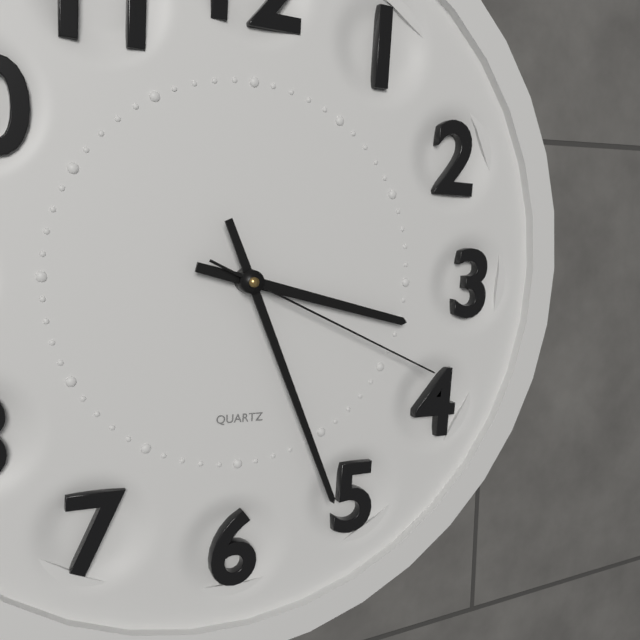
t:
3,26,19
